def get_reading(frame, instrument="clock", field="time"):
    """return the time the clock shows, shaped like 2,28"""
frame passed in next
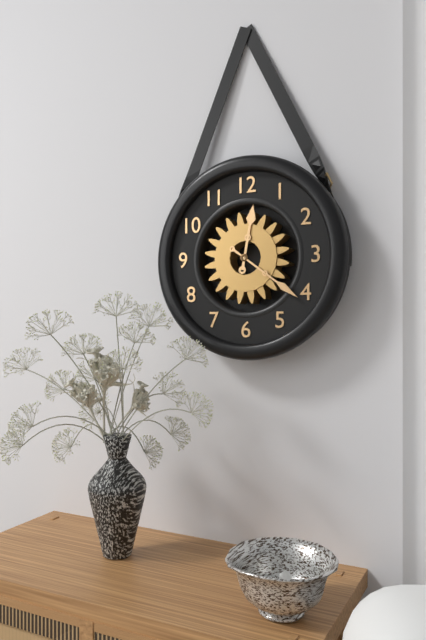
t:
12,21
